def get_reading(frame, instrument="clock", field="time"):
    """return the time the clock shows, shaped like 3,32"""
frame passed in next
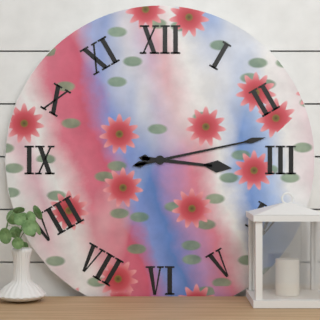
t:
3,13
